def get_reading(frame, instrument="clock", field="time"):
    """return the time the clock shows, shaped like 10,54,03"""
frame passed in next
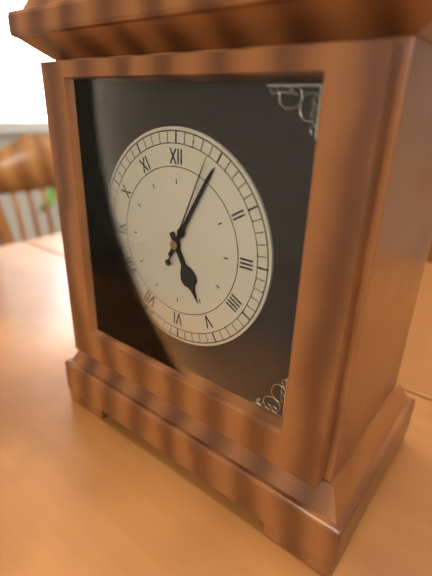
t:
5,05,04
